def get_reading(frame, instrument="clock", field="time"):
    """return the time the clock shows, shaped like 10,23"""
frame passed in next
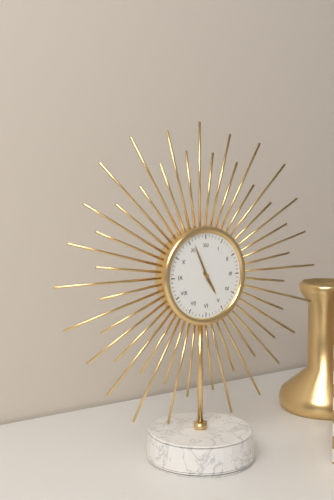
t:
4,56
